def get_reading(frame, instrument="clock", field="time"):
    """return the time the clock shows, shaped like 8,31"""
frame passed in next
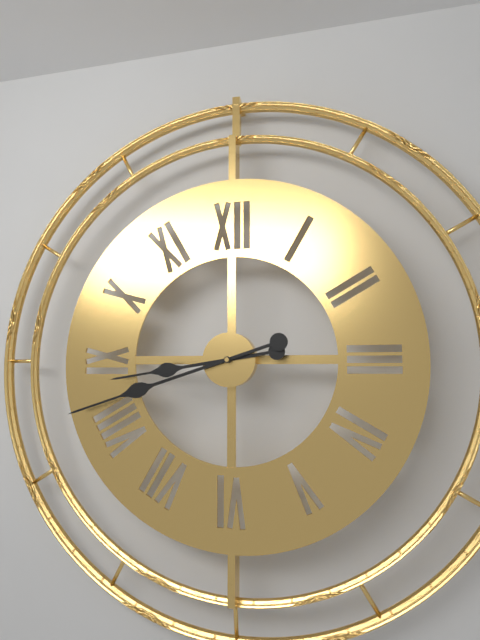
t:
8,42
